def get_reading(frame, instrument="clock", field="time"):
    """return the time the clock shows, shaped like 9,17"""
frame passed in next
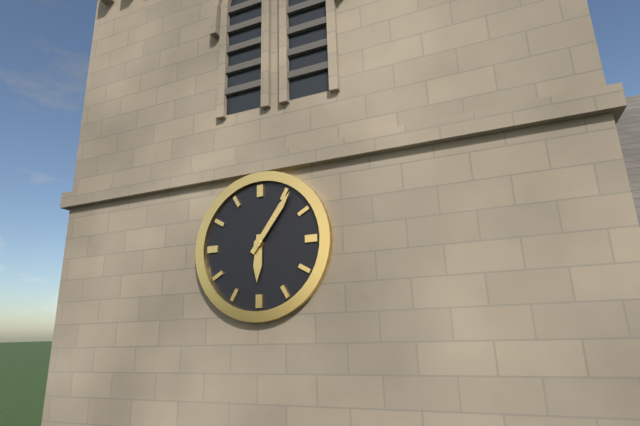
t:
6,06
